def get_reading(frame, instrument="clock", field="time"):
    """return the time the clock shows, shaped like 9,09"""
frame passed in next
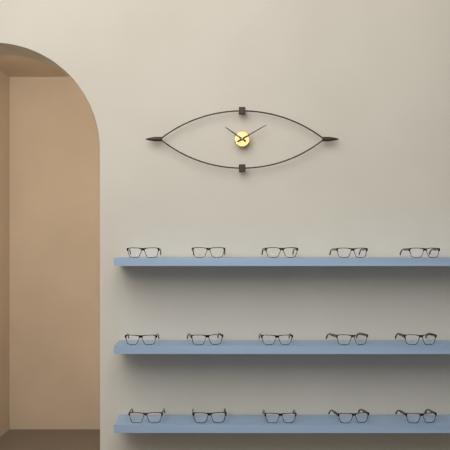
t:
10,10
